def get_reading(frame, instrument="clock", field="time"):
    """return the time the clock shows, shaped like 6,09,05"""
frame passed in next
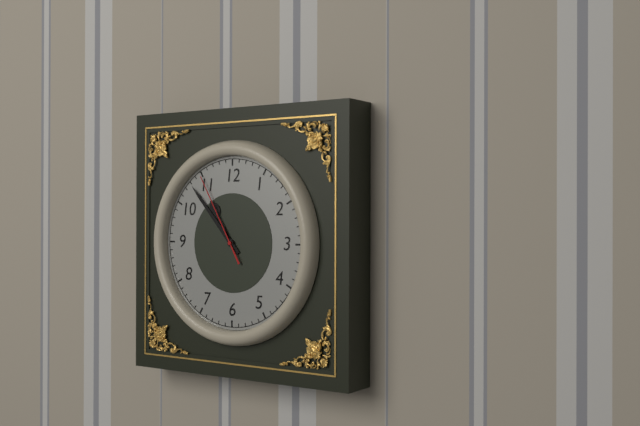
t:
10,53,55
